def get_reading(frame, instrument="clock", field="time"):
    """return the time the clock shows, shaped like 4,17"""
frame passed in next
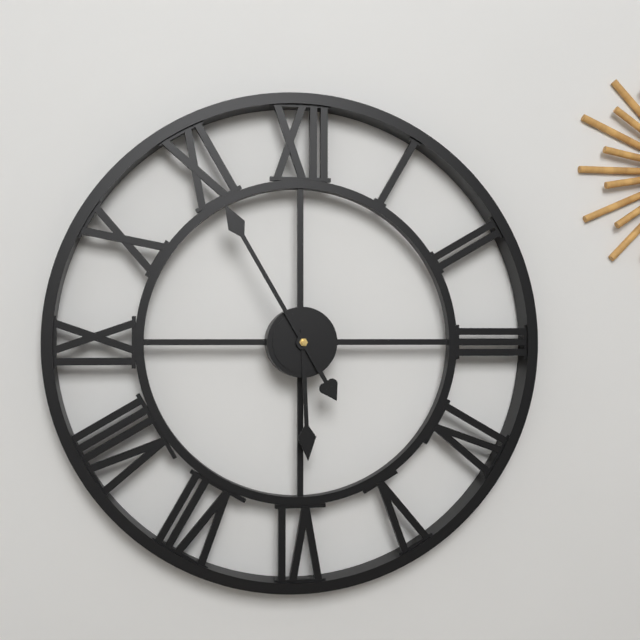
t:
5,55
